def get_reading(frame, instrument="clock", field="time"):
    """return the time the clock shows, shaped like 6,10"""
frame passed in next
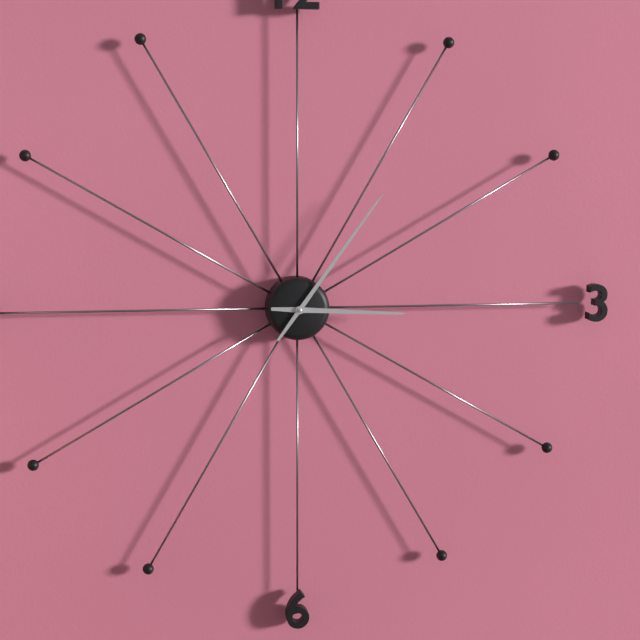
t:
3,06
